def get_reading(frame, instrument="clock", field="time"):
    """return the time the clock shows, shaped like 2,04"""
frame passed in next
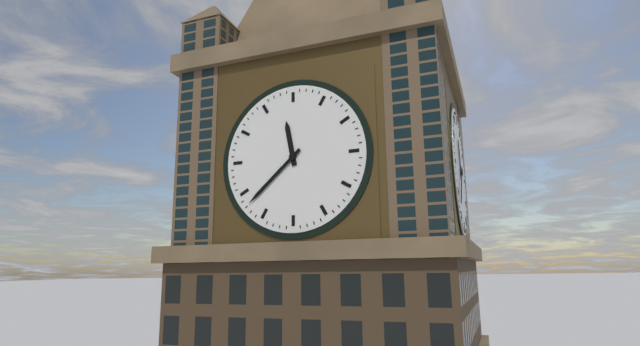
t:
11,38
